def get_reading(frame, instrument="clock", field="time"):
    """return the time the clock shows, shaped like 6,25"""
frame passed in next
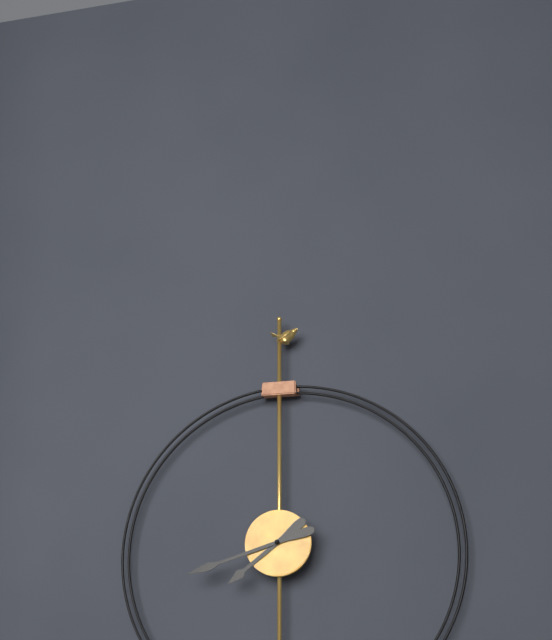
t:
7,42
